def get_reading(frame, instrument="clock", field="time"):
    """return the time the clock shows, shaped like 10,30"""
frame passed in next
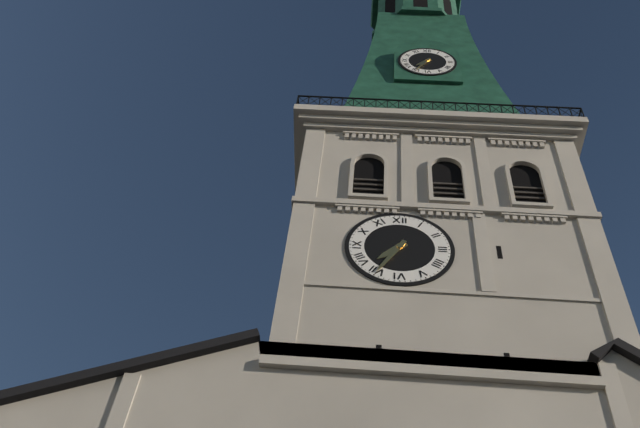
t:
7,35
